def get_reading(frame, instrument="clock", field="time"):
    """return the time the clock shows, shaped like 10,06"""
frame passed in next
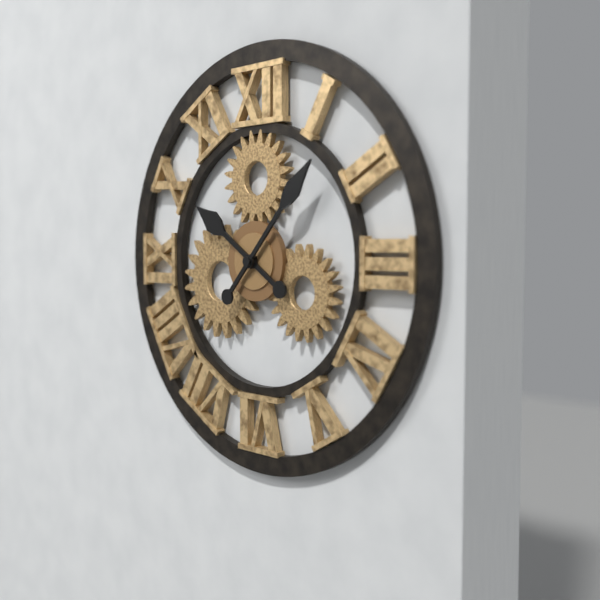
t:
10,07
